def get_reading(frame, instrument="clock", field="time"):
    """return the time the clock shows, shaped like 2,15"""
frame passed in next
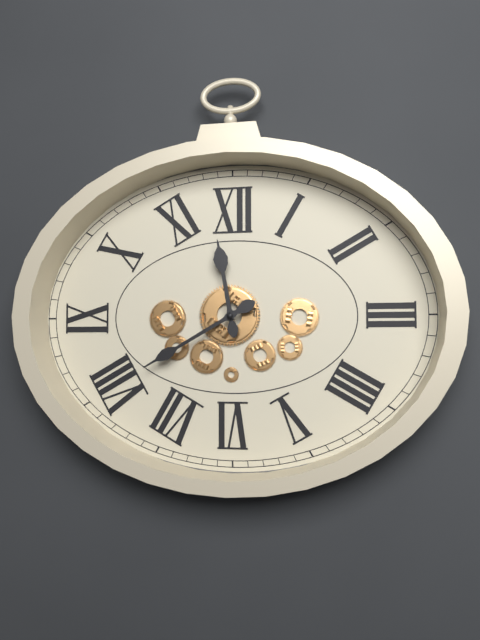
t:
11,40
